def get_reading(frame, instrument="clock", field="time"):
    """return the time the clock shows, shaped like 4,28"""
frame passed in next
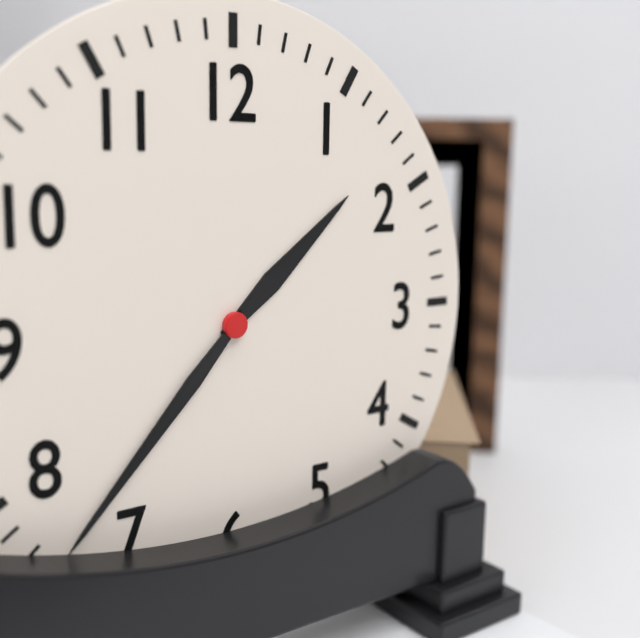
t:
1,37
